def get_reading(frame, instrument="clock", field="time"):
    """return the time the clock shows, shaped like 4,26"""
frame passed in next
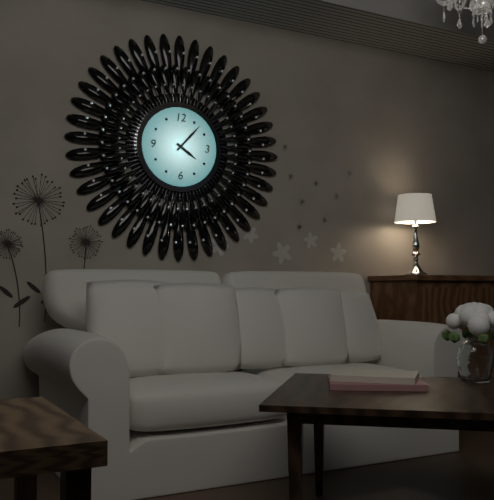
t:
4,07
